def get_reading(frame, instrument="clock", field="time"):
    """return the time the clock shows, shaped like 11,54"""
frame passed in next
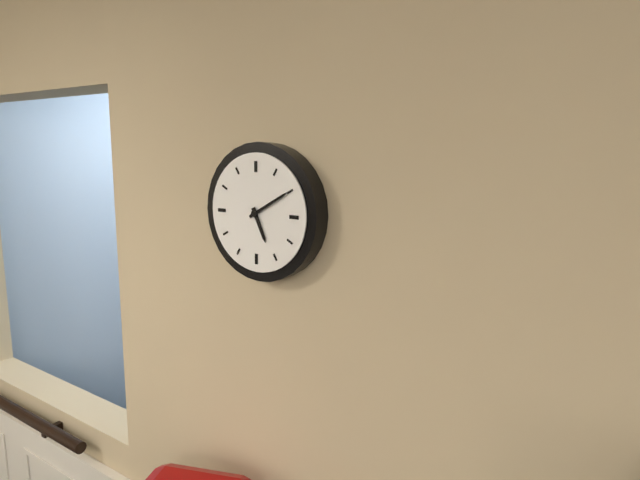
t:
5,10
